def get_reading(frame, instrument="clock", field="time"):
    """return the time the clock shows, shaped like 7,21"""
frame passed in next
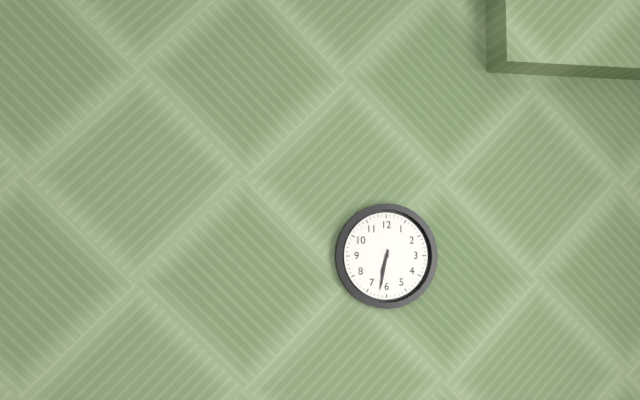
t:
6,32
